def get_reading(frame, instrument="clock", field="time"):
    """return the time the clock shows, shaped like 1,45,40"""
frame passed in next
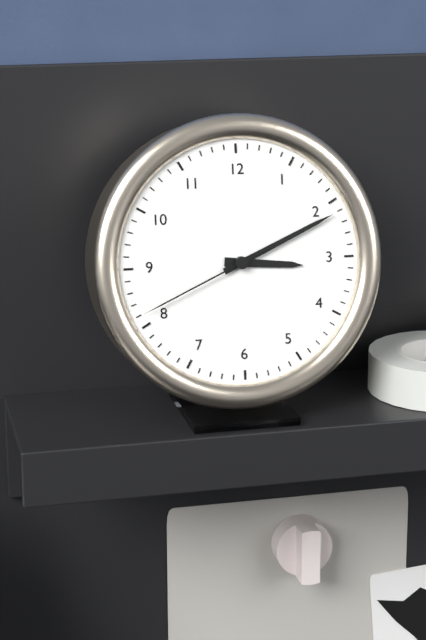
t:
3,11,41
